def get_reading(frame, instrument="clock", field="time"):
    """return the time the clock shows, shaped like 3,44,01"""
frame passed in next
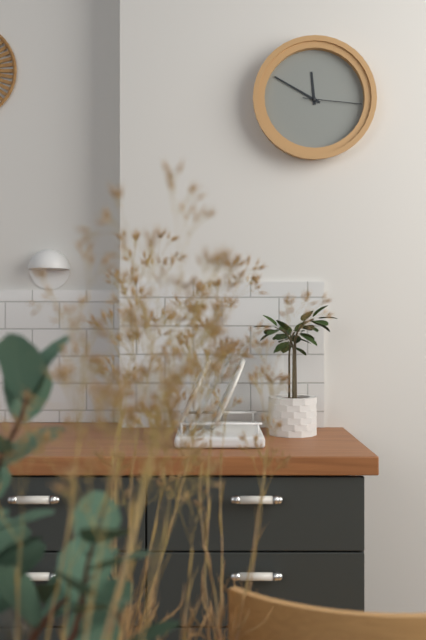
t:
11,50,16
